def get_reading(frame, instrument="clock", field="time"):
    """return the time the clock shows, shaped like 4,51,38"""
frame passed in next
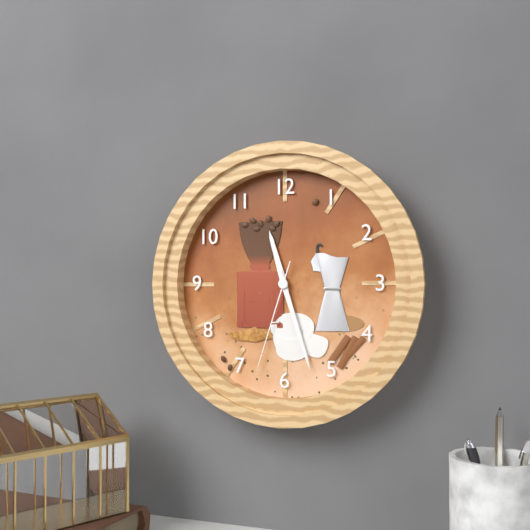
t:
11,27,33
